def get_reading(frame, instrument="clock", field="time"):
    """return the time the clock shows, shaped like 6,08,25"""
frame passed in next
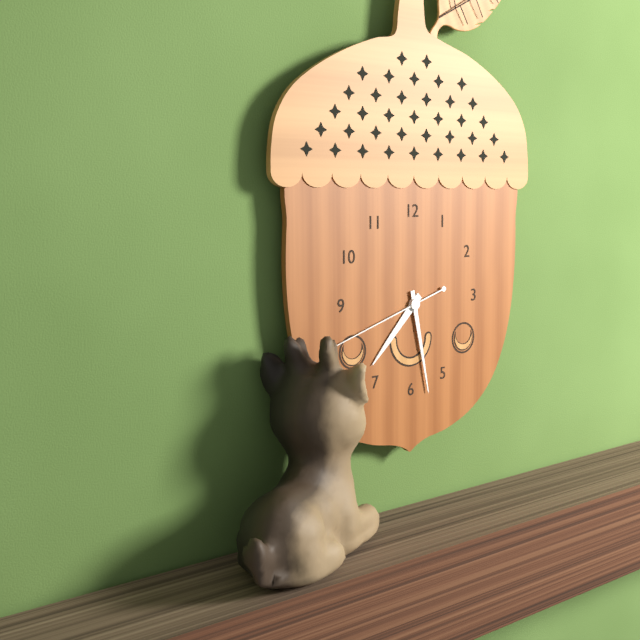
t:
7,28,42
